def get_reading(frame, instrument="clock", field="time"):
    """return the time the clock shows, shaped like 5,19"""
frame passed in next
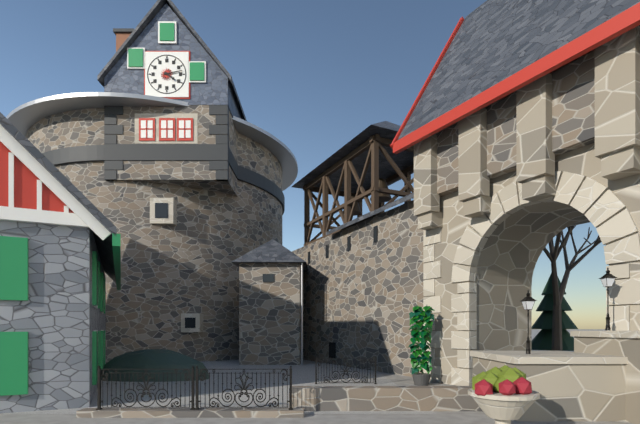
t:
4,13
